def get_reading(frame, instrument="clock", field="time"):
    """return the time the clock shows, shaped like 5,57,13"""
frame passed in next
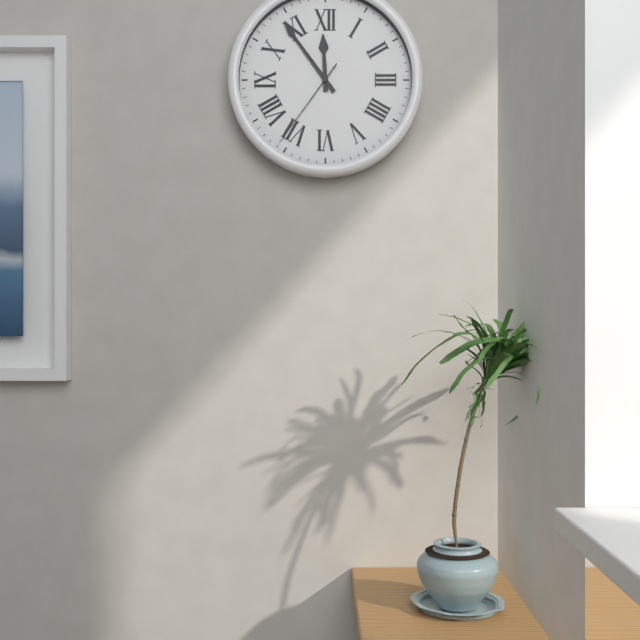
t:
11,54,36
